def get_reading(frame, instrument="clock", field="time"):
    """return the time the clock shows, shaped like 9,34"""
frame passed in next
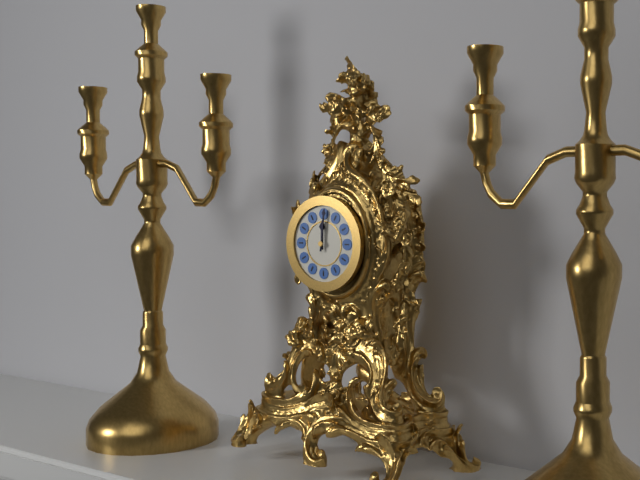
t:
12,01
